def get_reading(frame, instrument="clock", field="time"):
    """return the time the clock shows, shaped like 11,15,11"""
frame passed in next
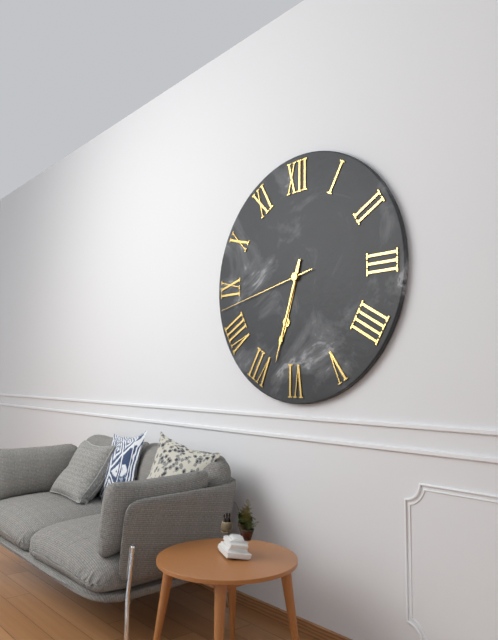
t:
6,33,43
